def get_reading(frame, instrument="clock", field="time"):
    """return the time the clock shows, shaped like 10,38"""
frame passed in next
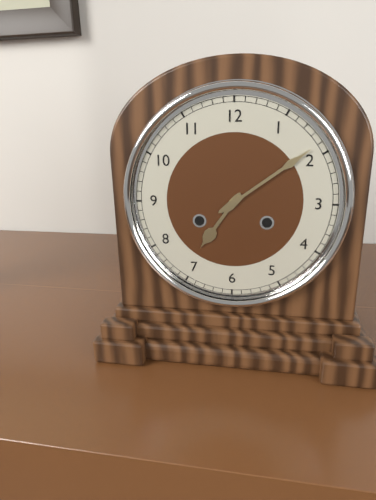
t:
7,09
